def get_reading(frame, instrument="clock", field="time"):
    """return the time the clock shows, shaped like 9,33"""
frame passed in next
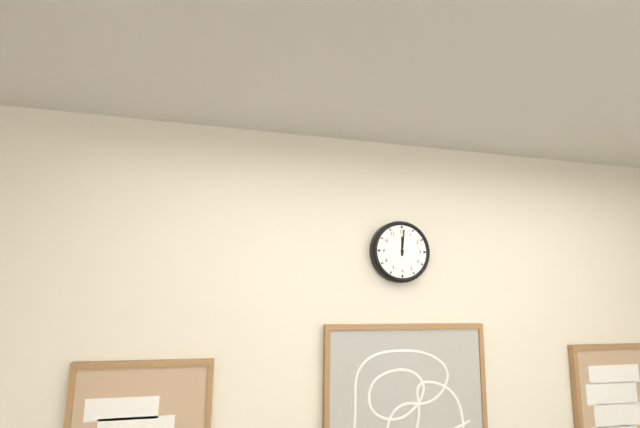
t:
12,01
